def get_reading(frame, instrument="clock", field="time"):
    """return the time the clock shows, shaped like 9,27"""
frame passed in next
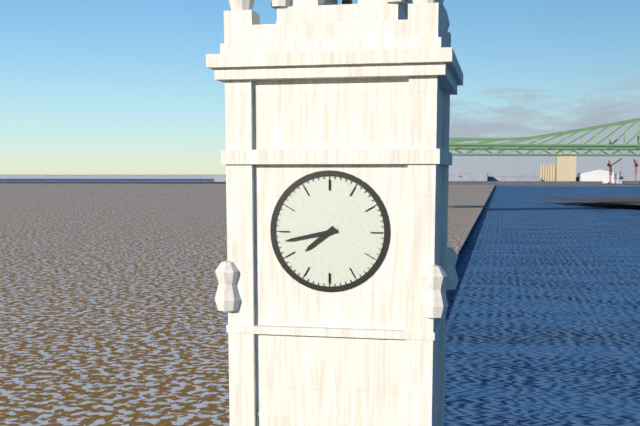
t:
7,43
